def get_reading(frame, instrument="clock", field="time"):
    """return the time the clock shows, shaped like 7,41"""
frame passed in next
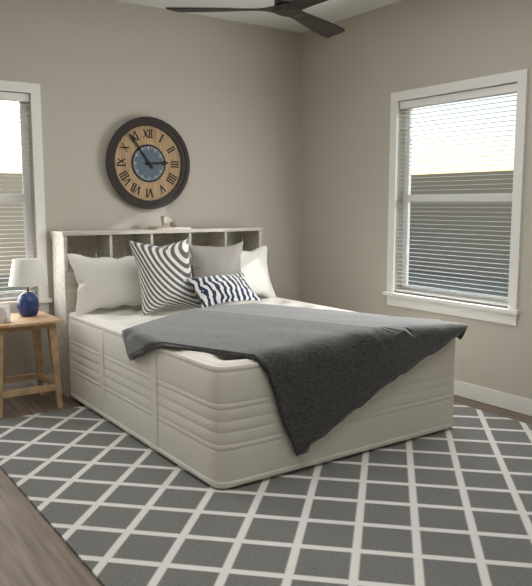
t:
2,54
